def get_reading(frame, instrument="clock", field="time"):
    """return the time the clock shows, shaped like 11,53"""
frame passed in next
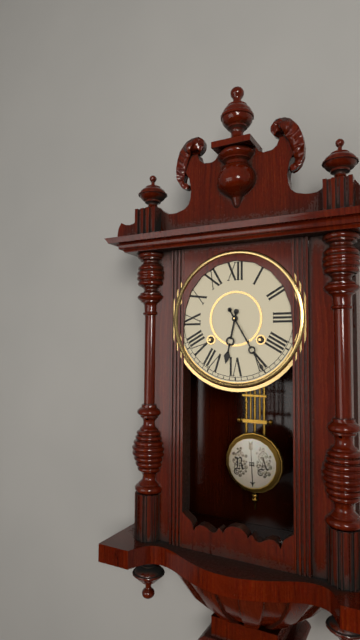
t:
6,25
